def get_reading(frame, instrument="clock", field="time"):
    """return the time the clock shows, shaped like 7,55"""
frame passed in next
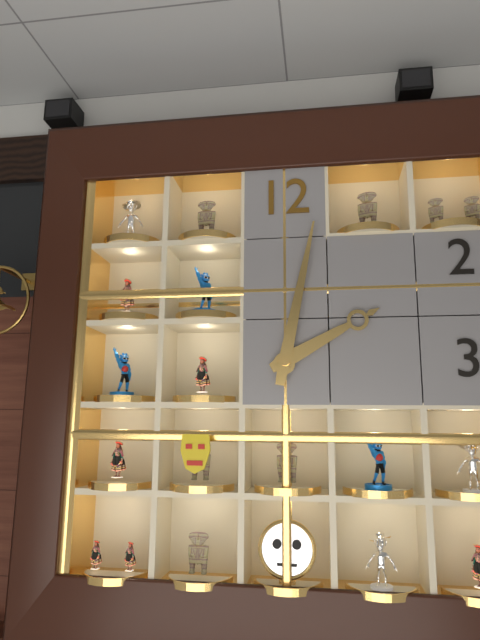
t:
2,02
